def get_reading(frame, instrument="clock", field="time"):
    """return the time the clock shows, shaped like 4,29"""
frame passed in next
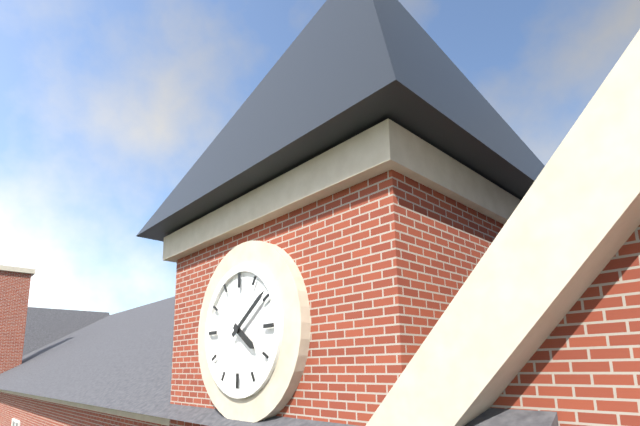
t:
4,09
